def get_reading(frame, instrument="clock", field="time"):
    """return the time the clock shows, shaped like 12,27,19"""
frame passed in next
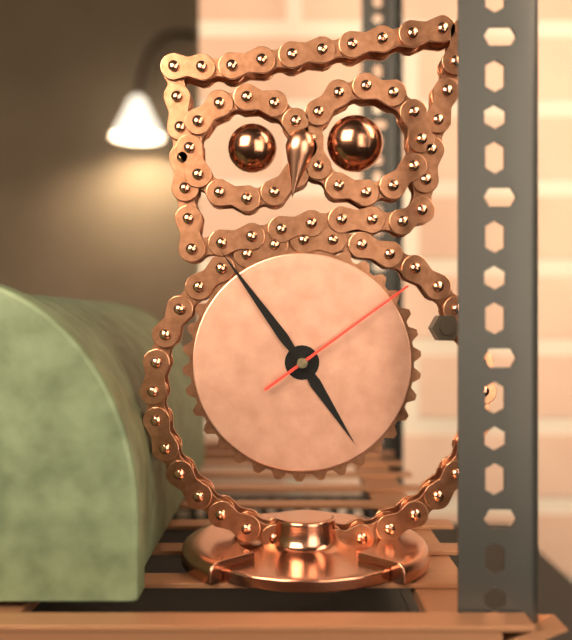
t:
4,54,09
